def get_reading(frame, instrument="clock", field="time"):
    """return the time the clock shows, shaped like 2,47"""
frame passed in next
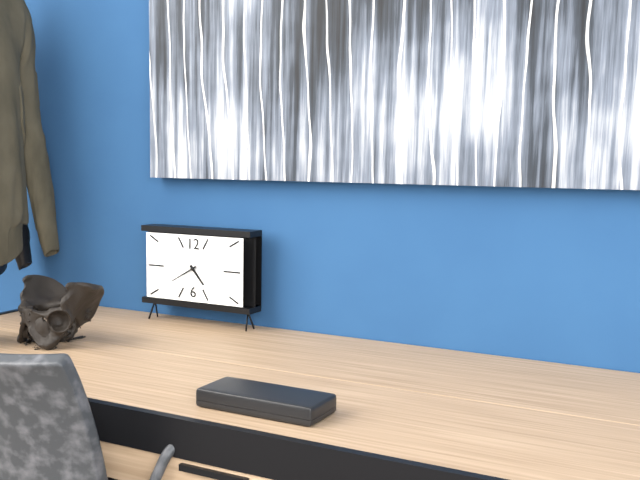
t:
4,40
